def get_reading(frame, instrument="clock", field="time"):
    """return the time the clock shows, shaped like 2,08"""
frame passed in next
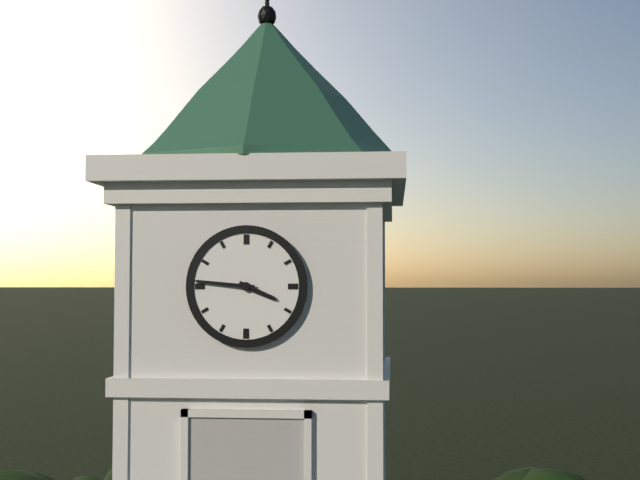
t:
3,46
